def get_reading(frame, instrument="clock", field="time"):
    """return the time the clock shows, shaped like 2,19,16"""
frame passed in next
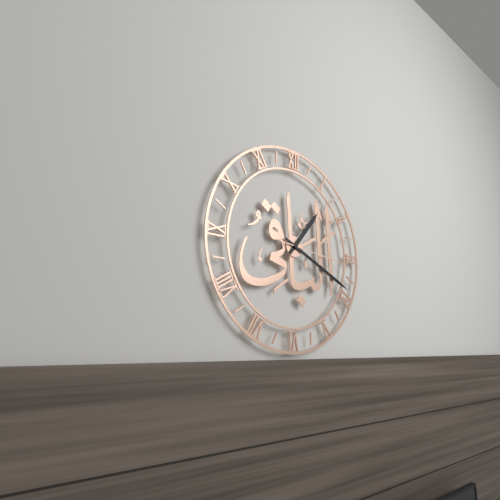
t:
1,19,16
